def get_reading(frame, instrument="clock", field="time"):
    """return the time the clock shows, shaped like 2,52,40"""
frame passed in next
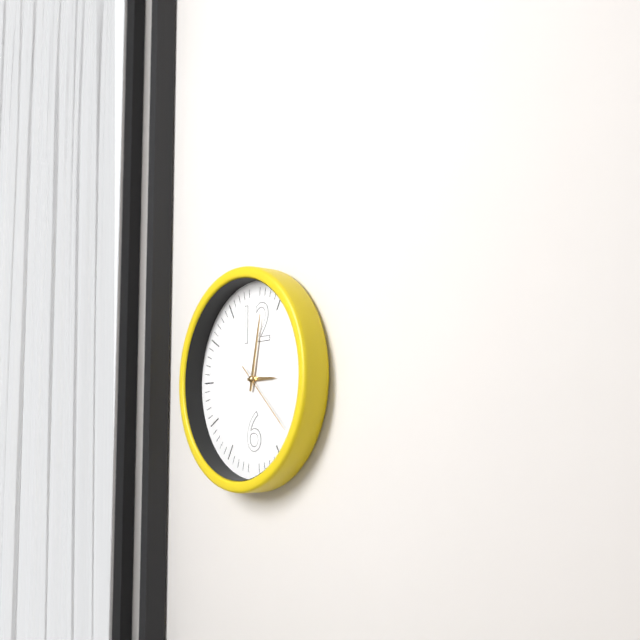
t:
3,02,22
